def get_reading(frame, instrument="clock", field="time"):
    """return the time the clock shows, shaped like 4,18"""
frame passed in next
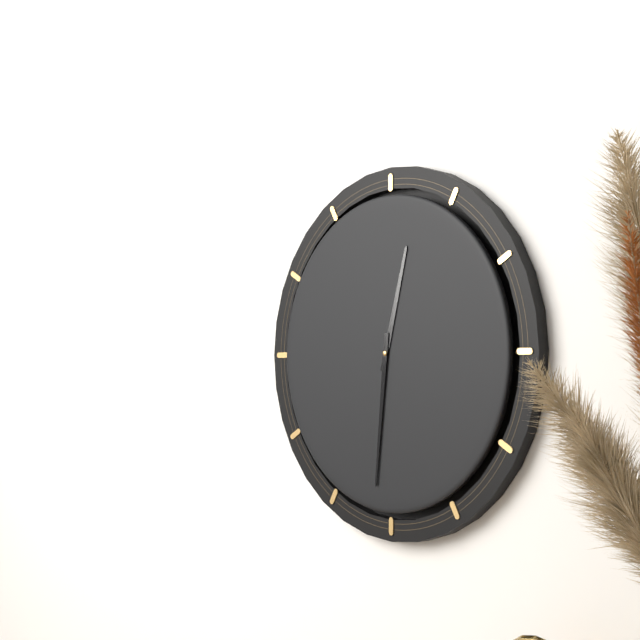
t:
12,31
